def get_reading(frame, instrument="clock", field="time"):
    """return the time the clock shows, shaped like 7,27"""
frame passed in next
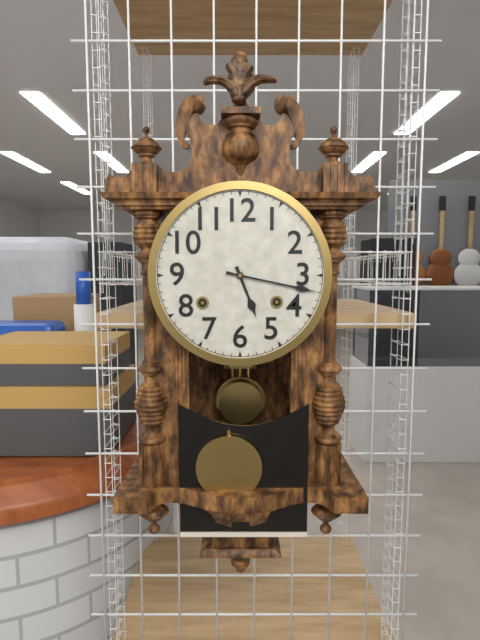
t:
5,17
